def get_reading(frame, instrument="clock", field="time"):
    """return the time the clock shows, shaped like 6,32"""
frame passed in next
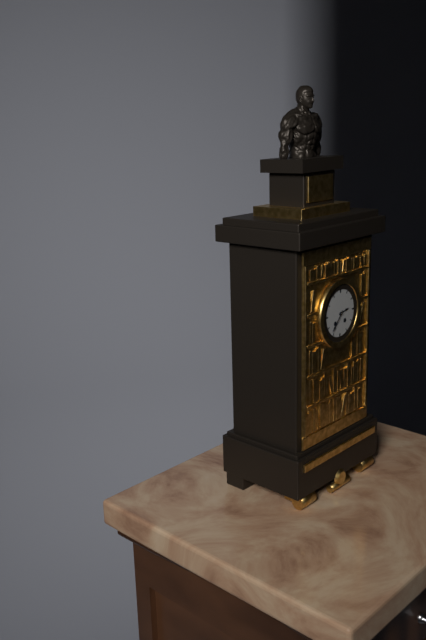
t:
2,37
